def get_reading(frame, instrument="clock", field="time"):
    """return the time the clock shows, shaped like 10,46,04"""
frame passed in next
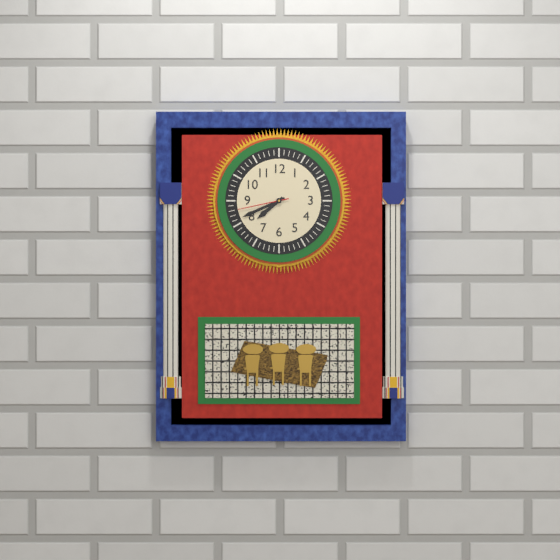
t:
7,41,43
